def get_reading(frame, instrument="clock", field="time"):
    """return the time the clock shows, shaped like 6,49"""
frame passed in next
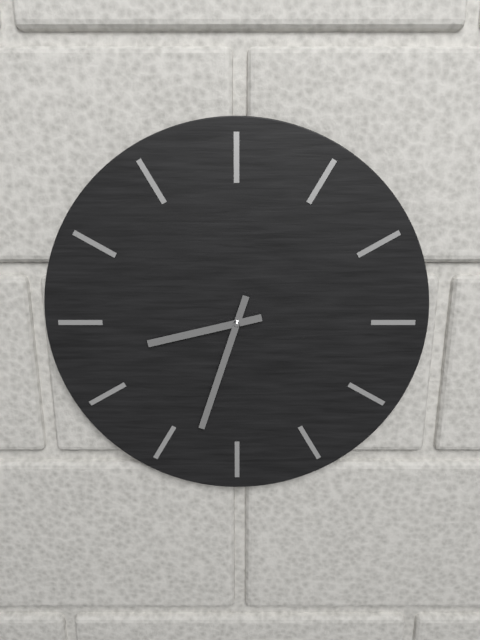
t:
8,33
